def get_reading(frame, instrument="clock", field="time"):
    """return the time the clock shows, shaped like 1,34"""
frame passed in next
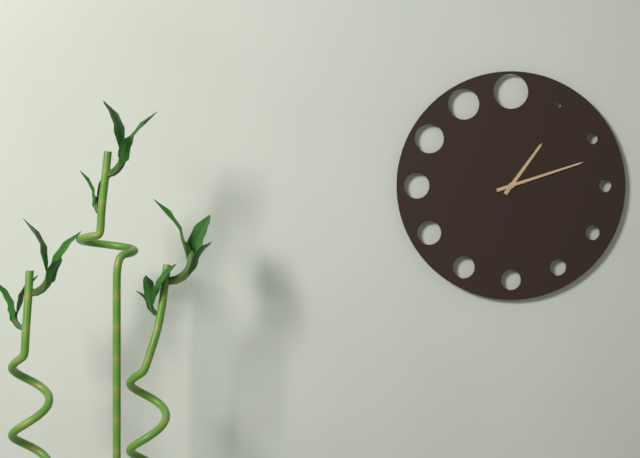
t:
1,12
